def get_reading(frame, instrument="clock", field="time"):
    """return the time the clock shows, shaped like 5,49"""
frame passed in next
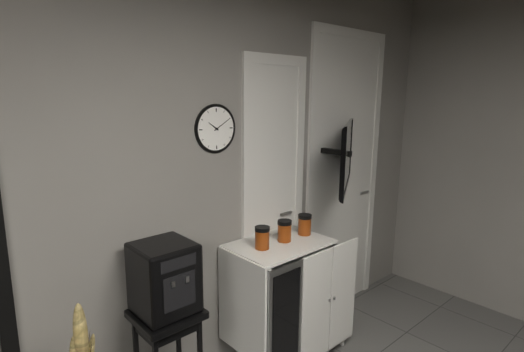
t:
10,10
